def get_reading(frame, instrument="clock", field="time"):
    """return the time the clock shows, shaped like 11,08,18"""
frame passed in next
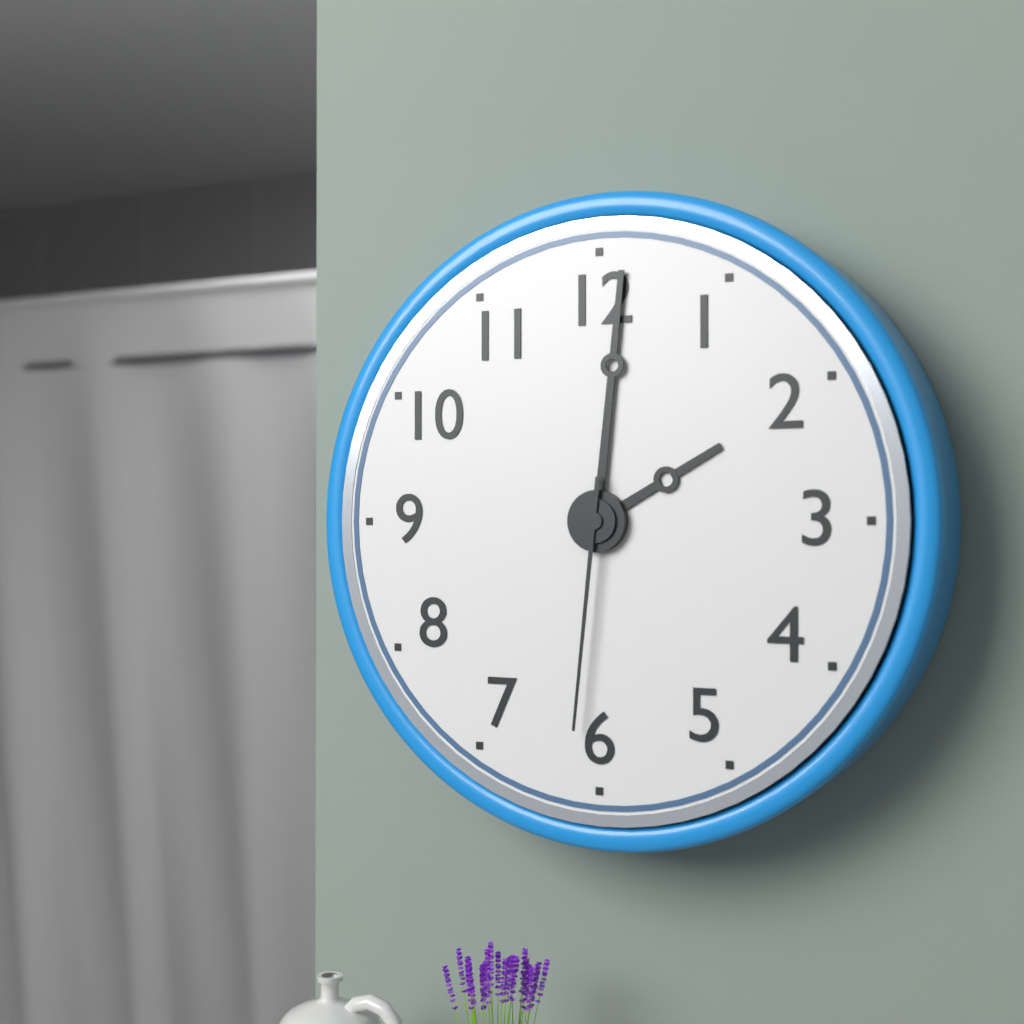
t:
2,01,31
